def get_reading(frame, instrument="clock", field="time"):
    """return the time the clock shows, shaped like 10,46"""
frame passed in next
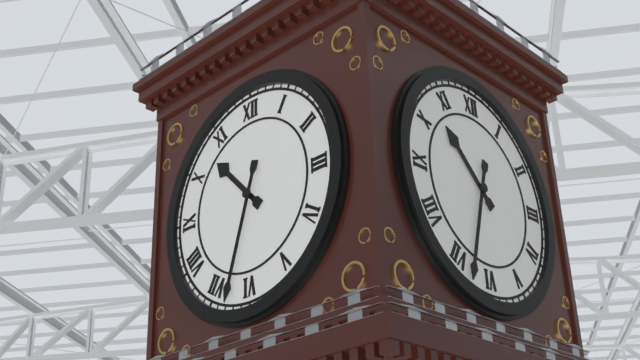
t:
10,33
